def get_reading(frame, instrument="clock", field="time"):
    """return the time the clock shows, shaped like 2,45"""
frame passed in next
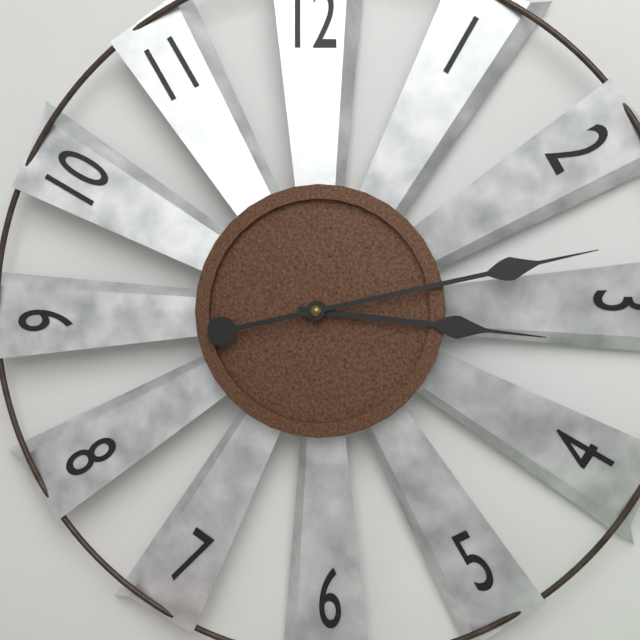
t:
3,13
